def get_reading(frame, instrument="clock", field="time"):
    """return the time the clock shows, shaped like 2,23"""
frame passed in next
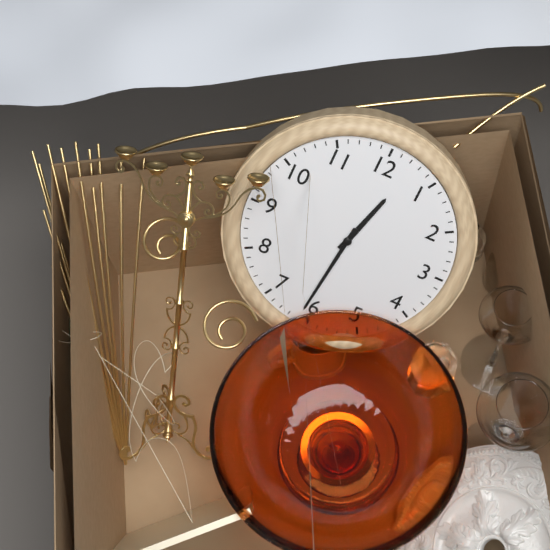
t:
12,31
